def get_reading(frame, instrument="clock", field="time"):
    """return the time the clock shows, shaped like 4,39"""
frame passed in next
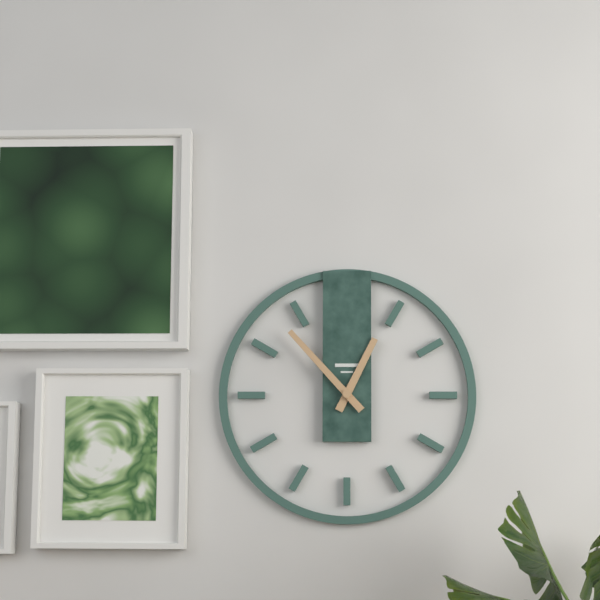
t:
12,53
